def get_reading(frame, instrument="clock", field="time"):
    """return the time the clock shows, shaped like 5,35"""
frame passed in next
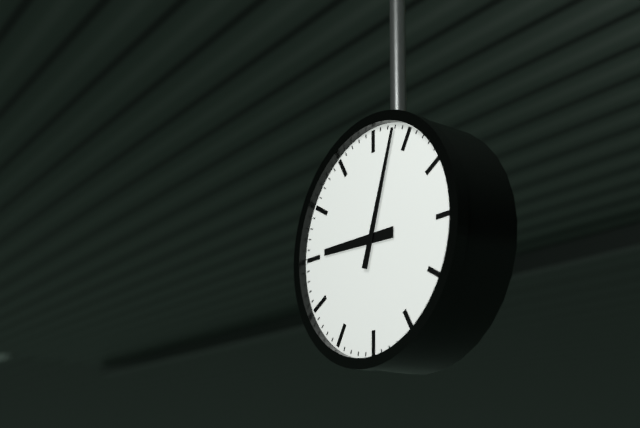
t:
9,03
